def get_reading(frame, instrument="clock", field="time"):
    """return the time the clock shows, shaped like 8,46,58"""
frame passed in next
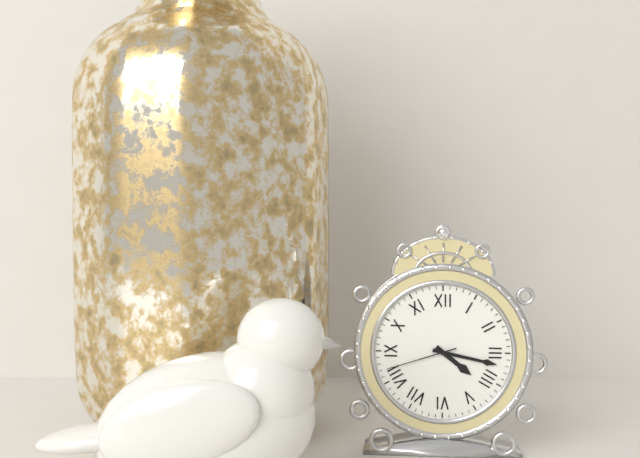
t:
4,17,42
